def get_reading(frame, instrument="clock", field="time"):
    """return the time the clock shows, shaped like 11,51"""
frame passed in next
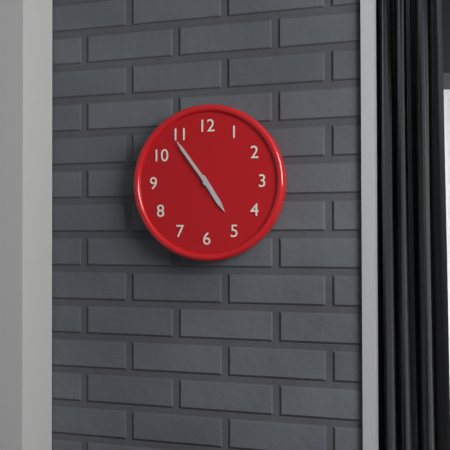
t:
4,54
